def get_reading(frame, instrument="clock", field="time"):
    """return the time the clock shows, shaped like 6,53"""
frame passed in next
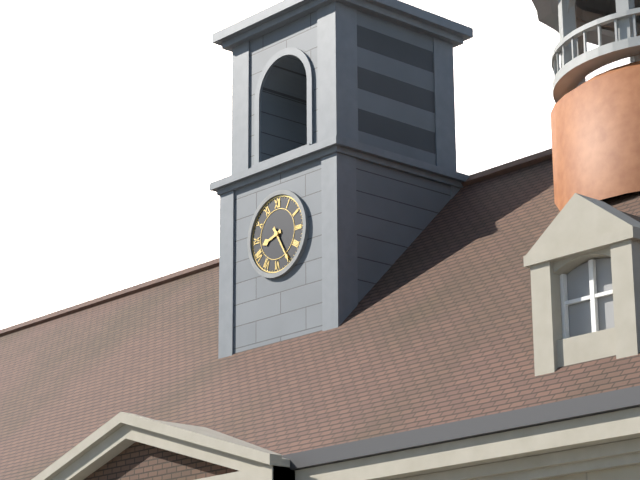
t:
8,25
